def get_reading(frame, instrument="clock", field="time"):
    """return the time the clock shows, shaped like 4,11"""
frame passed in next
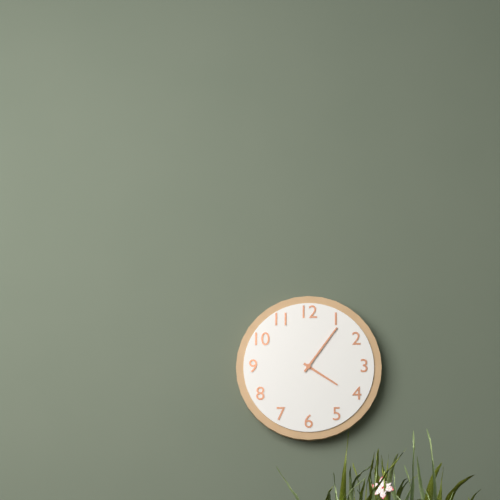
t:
4,06
